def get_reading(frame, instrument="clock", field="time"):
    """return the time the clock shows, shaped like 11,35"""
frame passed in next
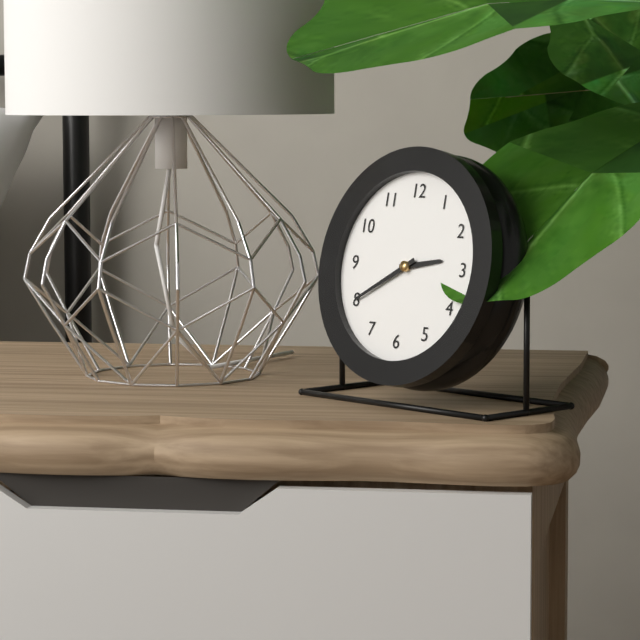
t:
2,40
